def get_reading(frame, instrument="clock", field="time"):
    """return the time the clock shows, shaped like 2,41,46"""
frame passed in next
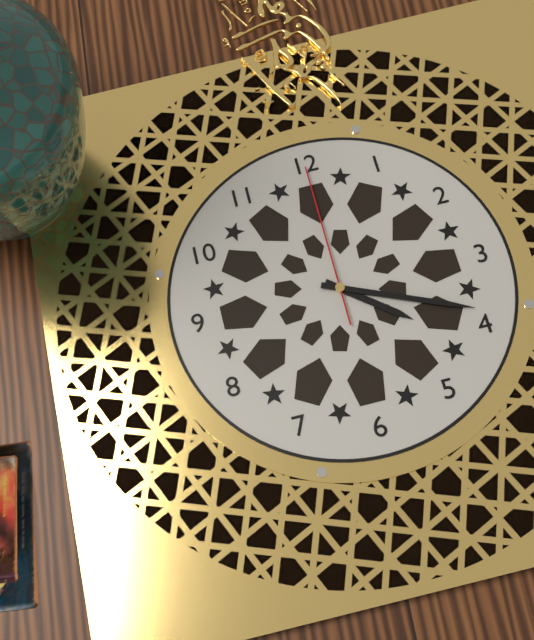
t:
4,19,00
